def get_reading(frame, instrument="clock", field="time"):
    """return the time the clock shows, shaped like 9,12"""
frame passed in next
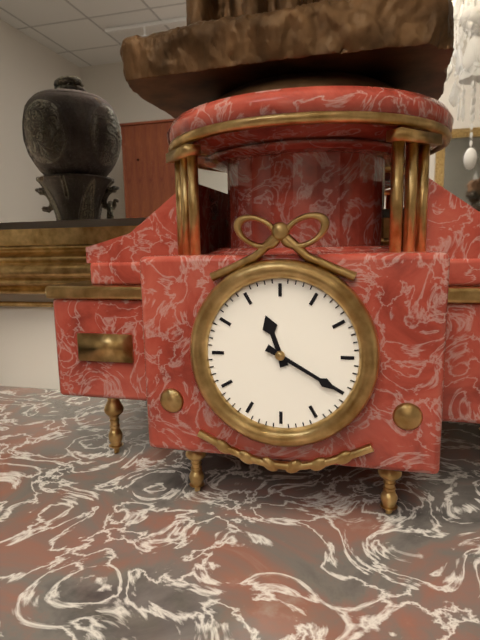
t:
11,20
